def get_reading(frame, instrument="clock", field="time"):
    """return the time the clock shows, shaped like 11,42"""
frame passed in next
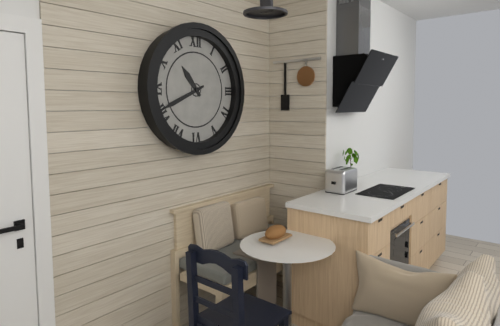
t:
10,41
